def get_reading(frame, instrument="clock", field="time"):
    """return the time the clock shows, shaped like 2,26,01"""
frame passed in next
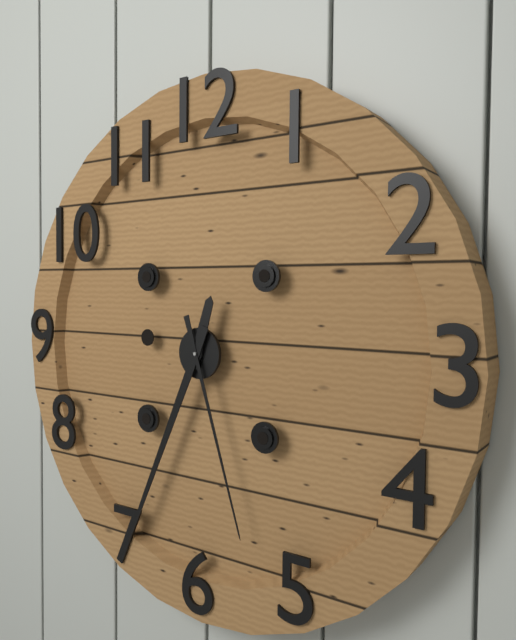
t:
12,34,27
